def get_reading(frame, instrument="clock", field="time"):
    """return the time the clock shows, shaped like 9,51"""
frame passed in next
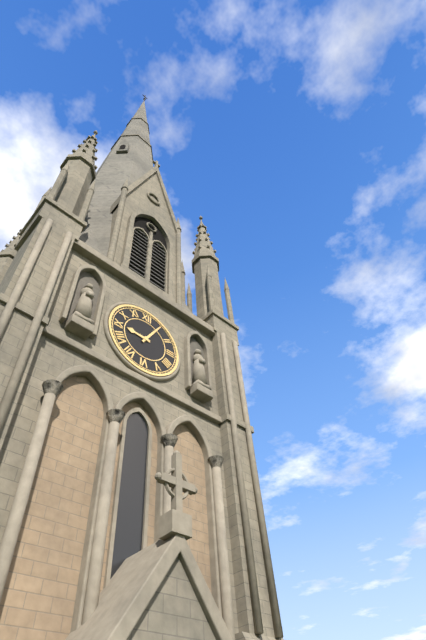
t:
9,05
